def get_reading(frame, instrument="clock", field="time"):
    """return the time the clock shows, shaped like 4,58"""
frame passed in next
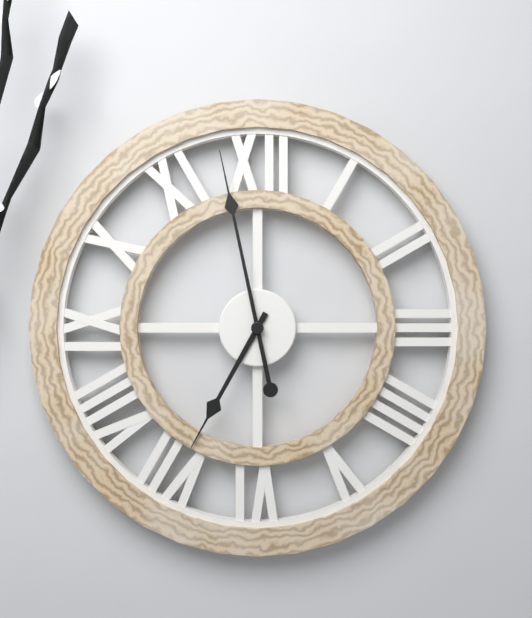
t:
6,58
